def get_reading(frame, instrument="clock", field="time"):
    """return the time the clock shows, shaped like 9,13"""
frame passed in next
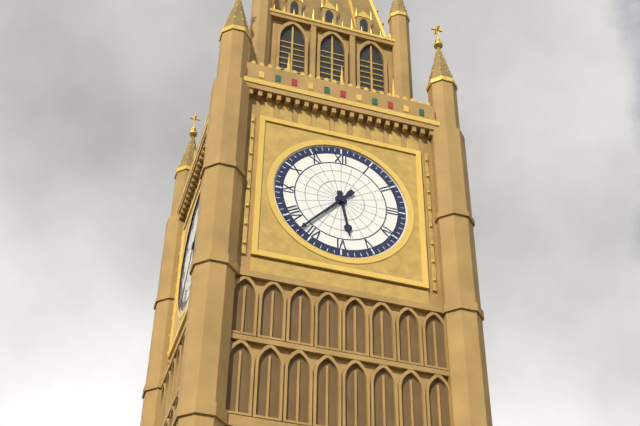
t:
5,37
